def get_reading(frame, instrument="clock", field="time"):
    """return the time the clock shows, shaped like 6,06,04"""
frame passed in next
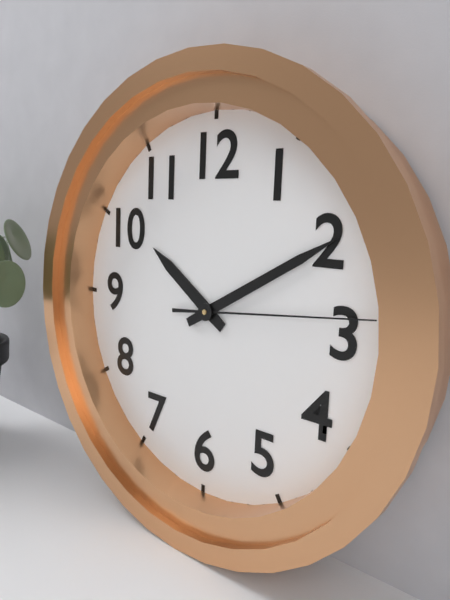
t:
10,10,14
